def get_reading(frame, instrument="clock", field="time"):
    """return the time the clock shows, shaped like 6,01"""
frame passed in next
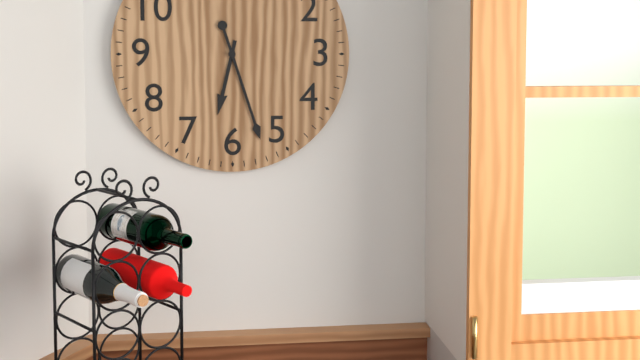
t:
6,27
